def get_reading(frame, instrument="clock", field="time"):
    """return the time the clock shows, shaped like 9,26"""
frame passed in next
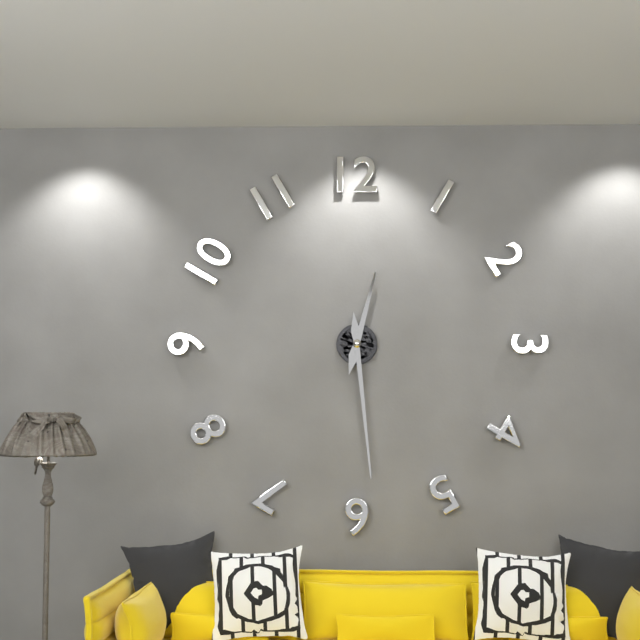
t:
12,29
